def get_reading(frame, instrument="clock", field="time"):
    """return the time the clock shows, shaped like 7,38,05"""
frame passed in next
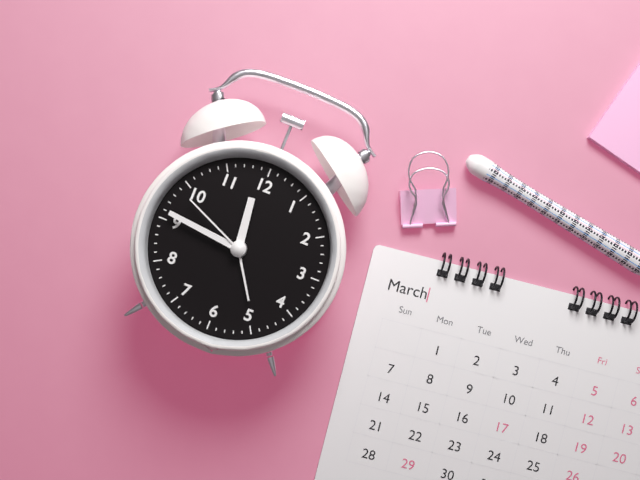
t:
11,46,49
